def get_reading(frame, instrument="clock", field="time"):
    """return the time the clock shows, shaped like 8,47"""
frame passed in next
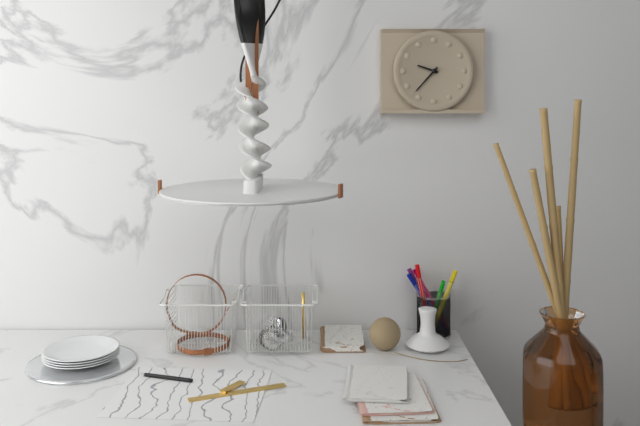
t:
9,37
